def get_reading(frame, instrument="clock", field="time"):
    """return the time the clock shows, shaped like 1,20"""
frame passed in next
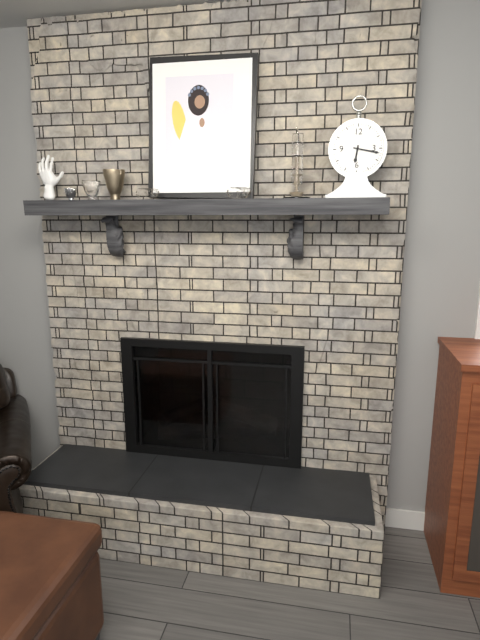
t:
6,17
